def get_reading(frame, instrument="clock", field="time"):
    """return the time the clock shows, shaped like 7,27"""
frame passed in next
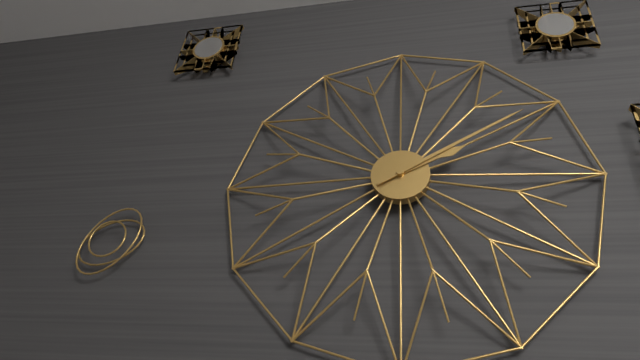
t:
2,10
